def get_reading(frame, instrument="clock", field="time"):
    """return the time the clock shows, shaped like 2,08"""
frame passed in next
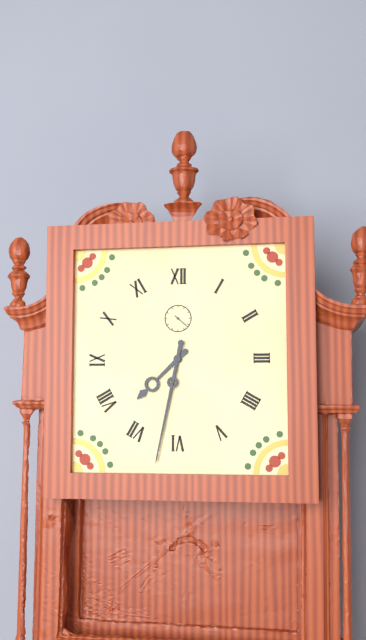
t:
7,32
